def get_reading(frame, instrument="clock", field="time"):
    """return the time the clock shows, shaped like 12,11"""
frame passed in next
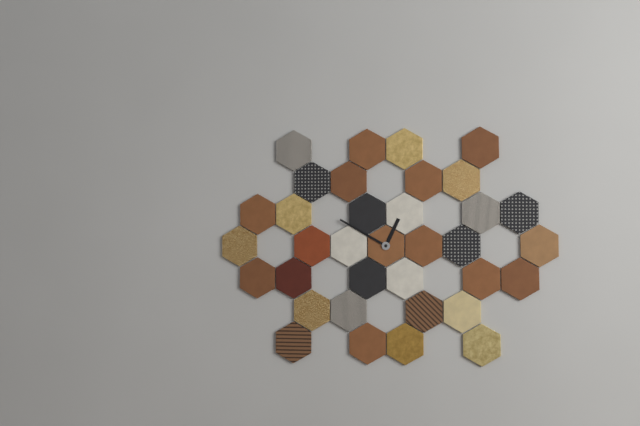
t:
12,50
